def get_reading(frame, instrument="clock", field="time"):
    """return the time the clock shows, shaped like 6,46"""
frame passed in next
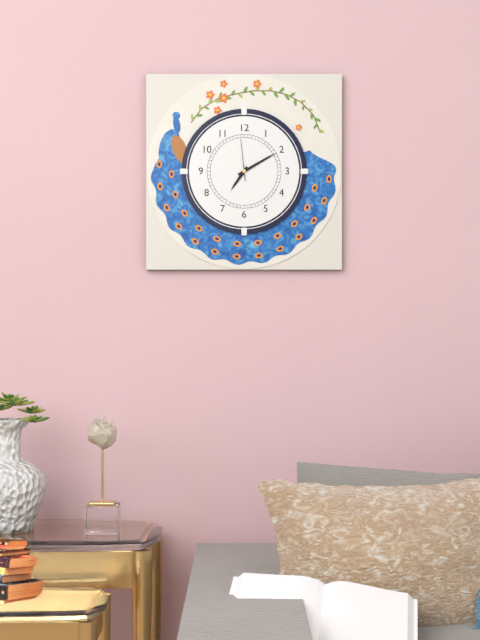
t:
7,10
